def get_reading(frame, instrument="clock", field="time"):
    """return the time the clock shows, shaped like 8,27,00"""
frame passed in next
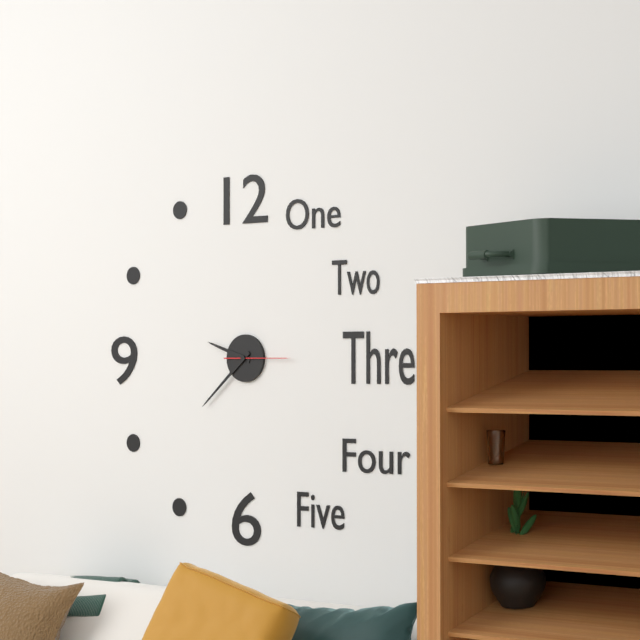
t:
9,38,15
